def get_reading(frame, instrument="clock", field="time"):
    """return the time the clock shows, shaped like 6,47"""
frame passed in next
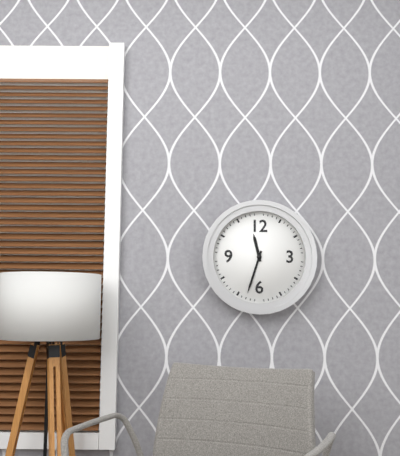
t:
11,33
